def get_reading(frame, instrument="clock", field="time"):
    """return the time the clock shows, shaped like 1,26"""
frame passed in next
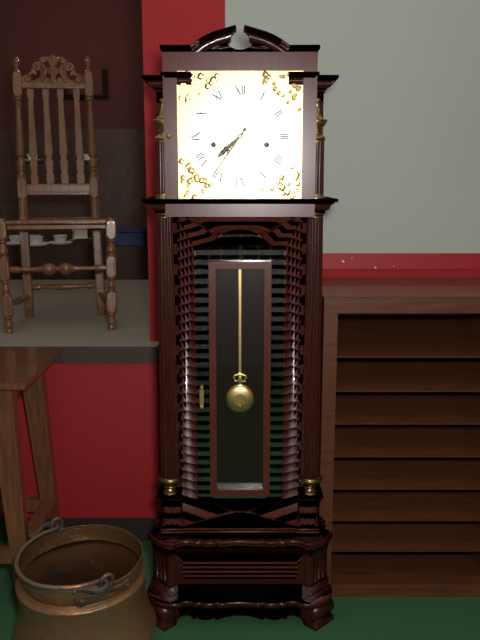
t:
7,36
